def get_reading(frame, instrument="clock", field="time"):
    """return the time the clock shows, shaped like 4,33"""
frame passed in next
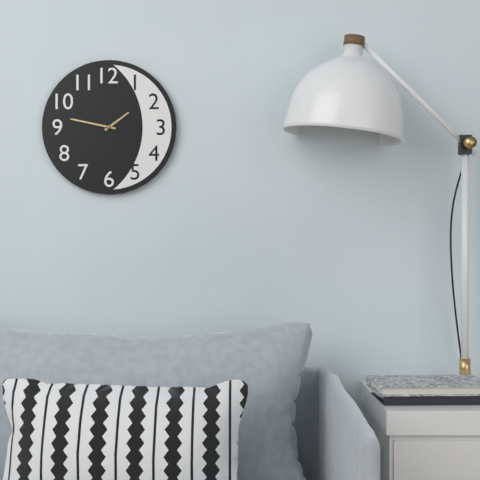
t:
1,47
